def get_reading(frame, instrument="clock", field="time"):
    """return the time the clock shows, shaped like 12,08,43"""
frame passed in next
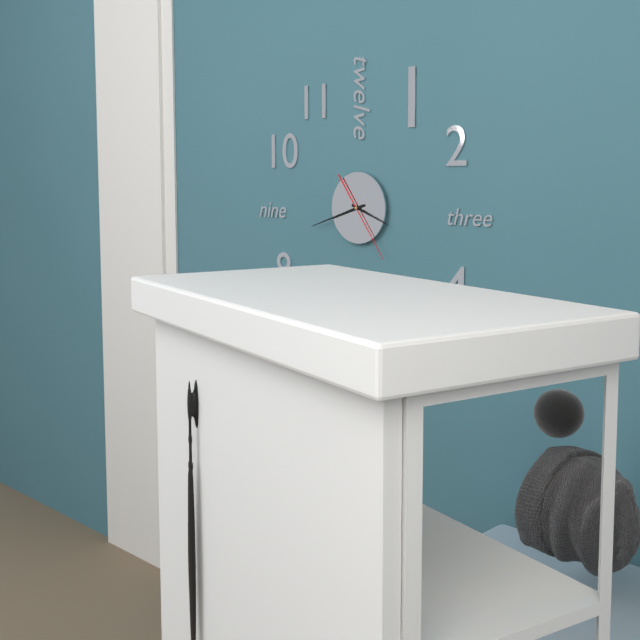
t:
3,42,24
